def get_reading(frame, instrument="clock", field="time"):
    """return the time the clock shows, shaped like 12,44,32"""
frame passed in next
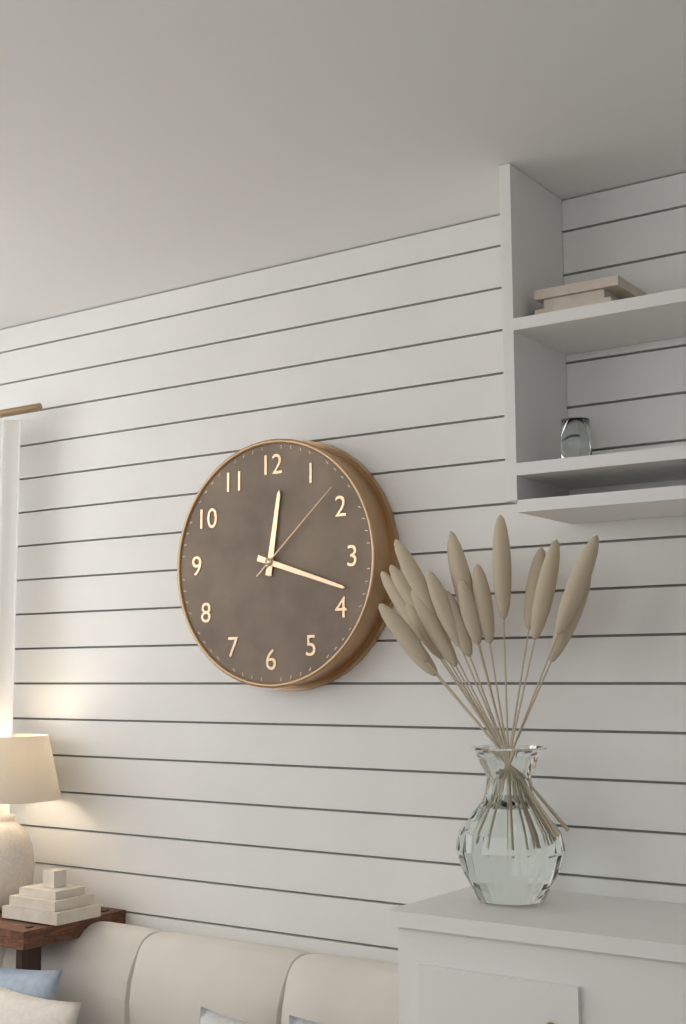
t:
12,18,08
